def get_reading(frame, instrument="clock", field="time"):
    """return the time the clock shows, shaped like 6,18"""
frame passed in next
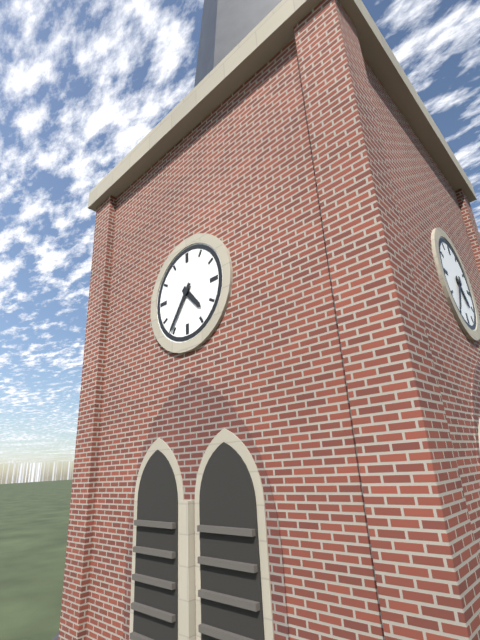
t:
4,36
